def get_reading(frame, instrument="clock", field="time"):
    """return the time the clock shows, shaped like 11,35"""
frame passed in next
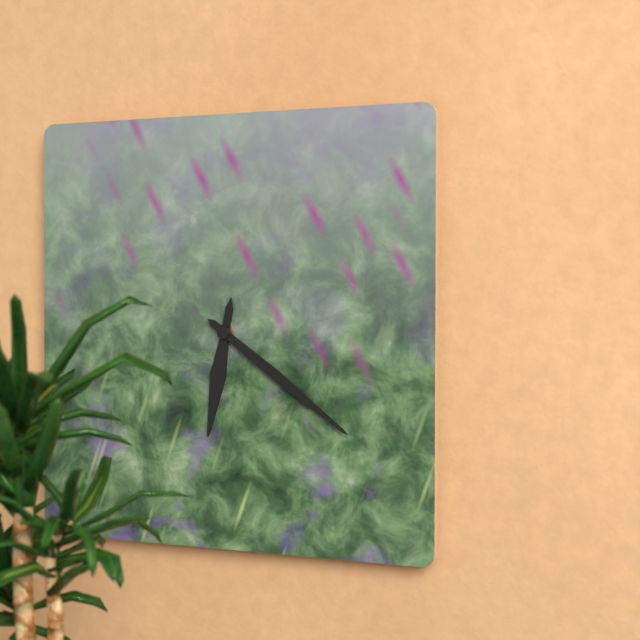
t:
6,21
